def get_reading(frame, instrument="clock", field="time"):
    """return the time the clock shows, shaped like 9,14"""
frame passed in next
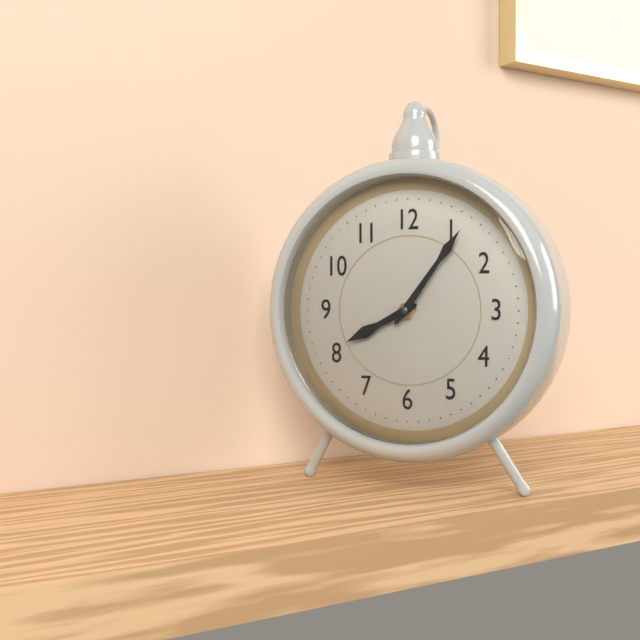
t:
8,06
